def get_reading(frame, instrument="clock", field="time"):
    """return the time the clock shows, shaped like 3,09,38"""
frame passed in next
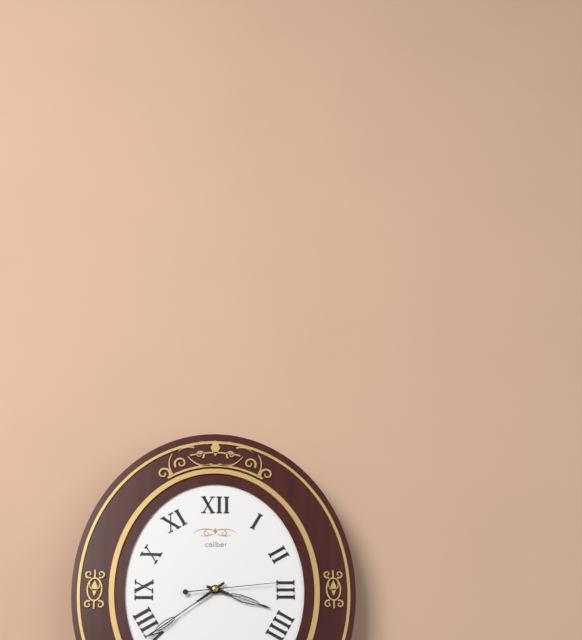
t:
3,39,14
